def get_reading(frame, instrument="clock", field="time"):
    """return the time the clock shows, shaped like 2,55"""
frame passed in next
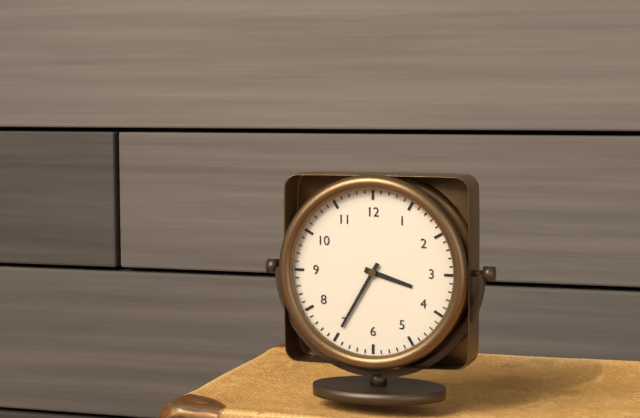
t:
3,35
